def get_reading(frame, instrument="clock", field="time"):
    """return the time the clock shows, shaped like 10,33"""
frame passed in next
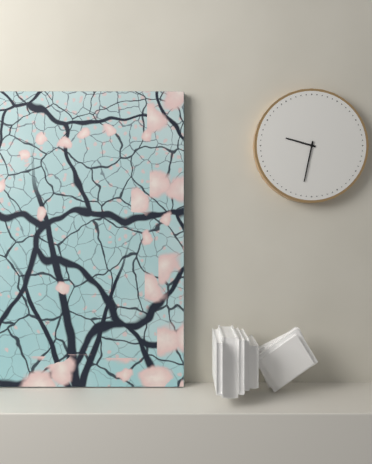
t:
9,32
